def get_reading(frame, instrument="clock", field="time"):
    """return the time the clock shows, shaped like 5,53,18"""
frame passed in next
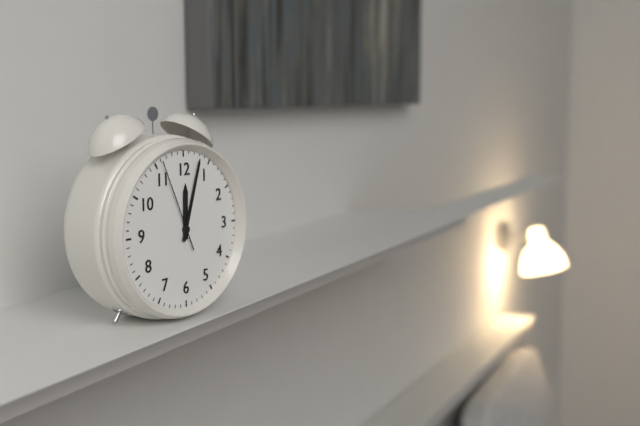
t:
12,03,56
